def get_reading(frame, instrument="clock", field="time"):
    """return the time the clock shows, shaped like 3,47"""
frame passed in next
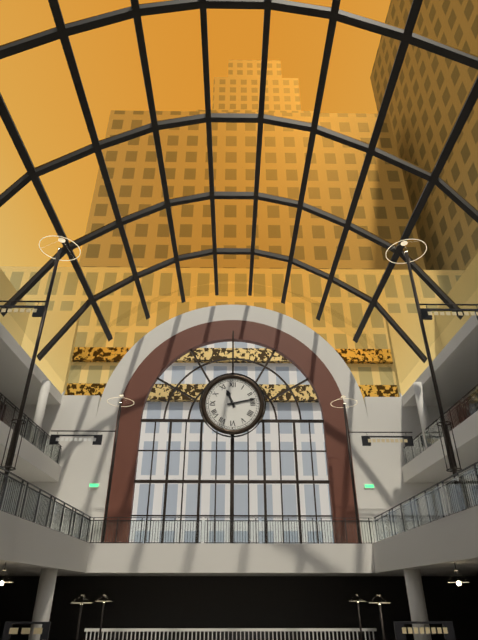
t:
11,13
